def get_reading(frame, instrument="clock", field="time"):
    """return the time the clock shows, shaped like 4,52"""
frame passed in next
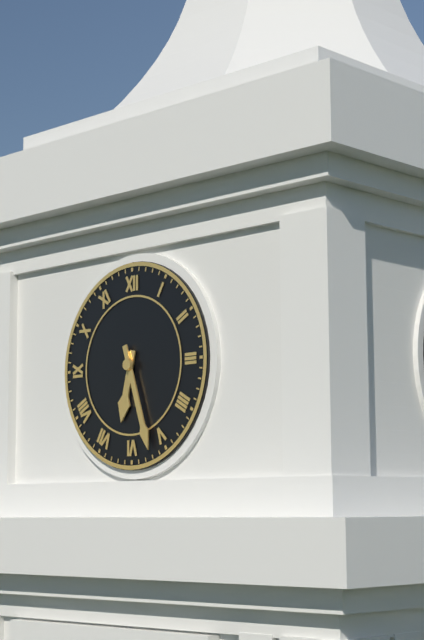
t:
6,27
